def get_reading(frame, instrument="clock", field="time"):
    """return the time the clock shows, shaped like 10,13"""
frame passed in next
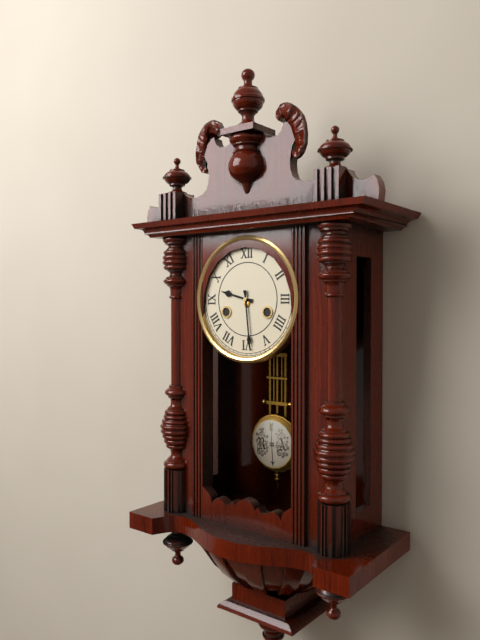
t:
9,29
